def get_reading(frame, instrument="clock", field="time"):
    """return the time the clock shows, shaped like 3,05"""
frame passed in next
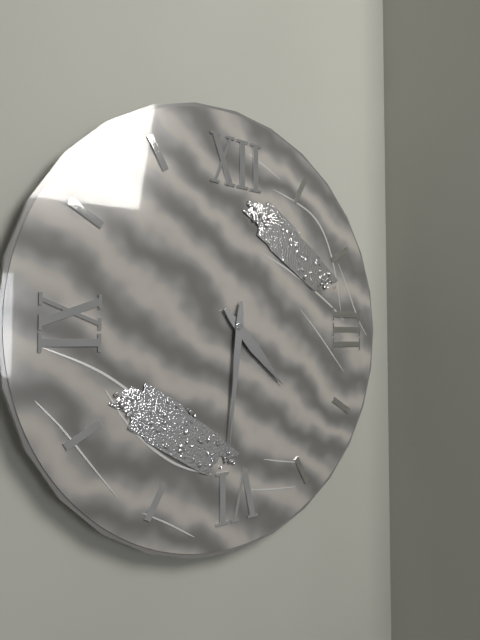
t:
4,31
